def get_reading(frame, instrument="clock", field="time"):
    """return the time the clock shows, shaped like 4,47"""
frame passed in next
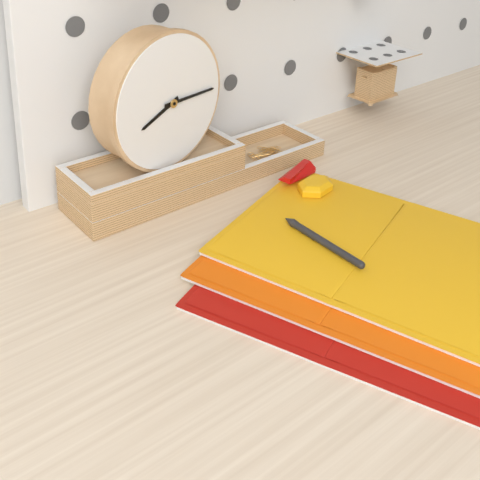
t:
8,15
